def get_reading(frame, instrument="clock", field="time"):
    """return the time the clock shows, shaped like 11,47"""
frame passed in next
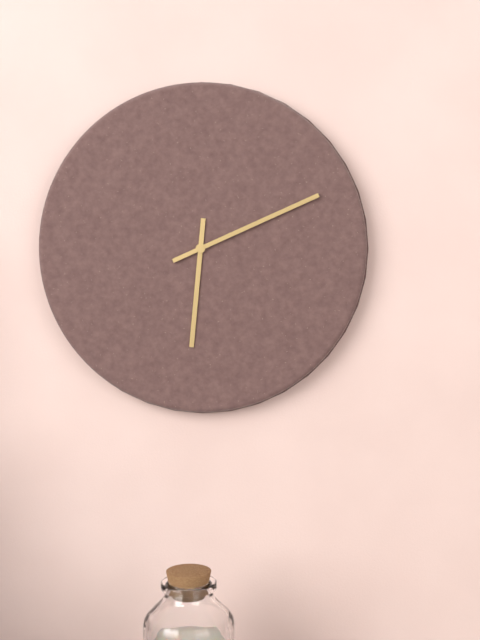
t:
6,11
